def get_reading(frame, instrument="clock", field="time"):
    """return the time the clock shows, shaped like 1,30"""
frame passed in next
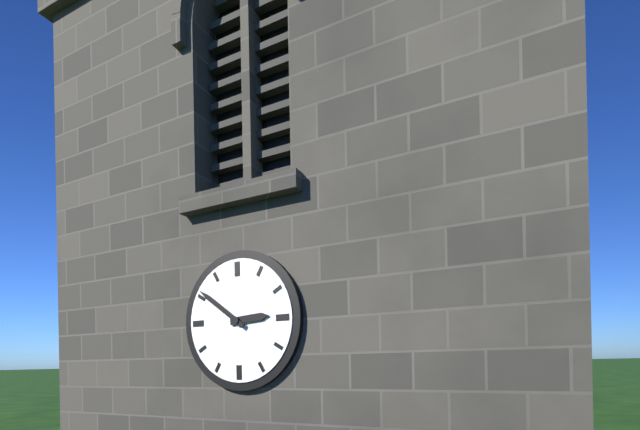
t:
2,51
